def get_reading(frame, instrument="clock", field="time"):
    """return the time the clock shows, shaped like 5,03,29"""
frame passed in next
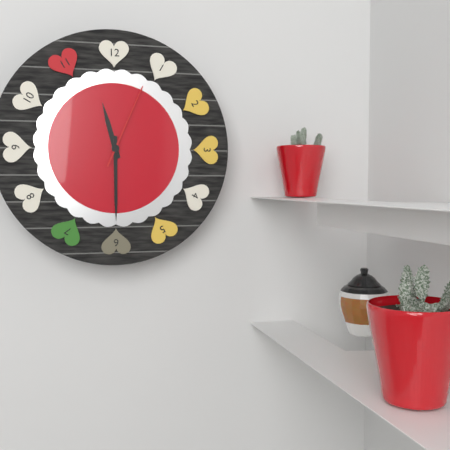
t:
11,30,04
